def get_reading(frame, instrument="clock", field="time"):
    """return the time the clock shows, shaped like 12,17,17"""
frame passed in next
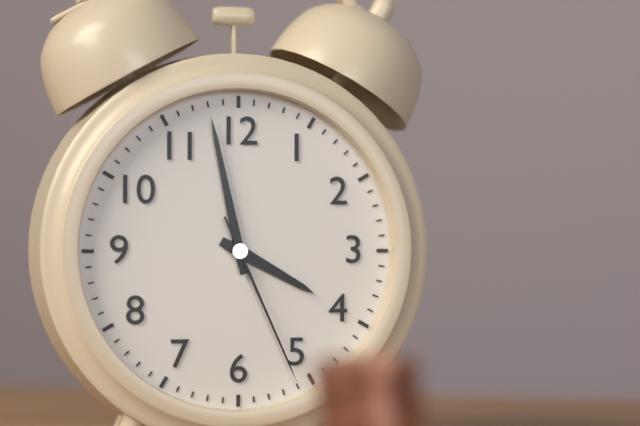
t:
3,58,26
